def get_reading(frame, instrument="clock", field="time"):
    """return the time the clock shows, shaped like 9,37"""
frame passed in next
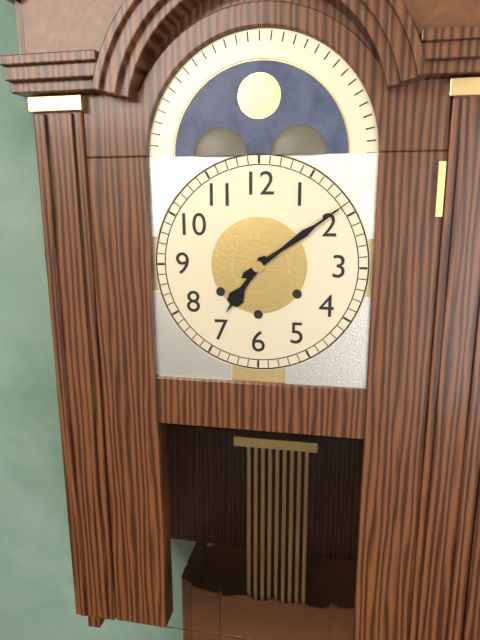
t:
7,09
